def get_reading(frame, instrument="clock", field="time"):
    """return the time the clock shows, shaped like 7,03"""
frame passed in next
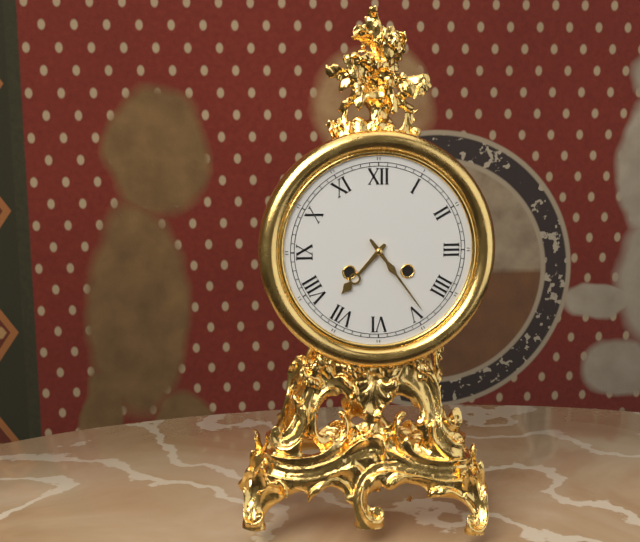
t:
7,24
